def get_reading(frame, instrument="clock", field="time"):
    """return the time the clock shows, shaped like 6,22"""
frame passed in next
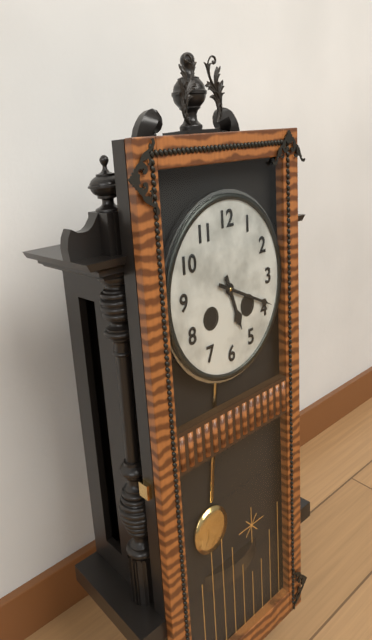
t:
5,19
